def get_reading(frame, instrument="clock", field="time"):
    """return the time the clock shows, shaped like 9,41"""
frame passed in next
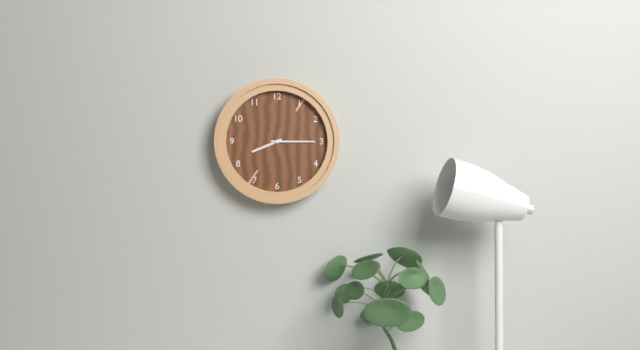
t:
8,15
